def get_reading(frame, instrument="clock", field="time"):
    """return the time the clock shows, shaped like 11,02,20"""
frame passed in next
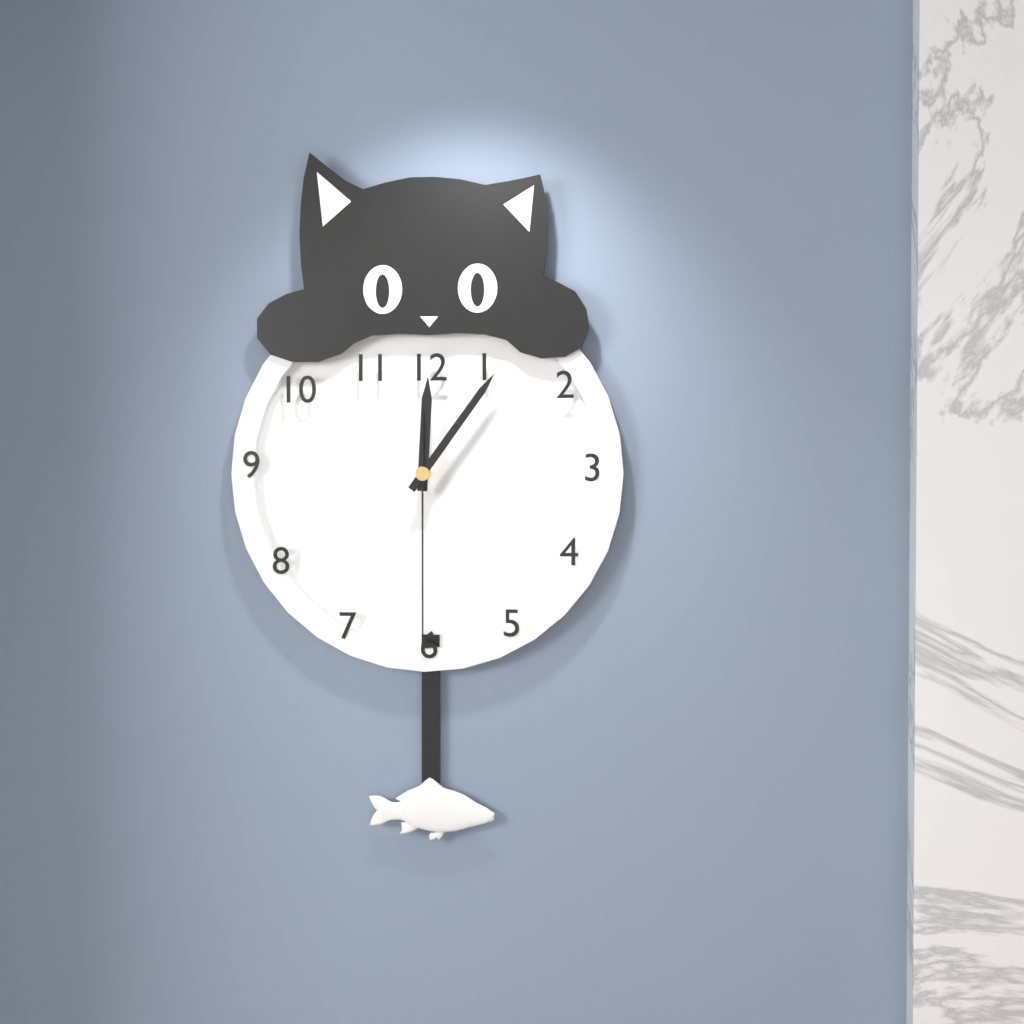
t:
12,06,30
